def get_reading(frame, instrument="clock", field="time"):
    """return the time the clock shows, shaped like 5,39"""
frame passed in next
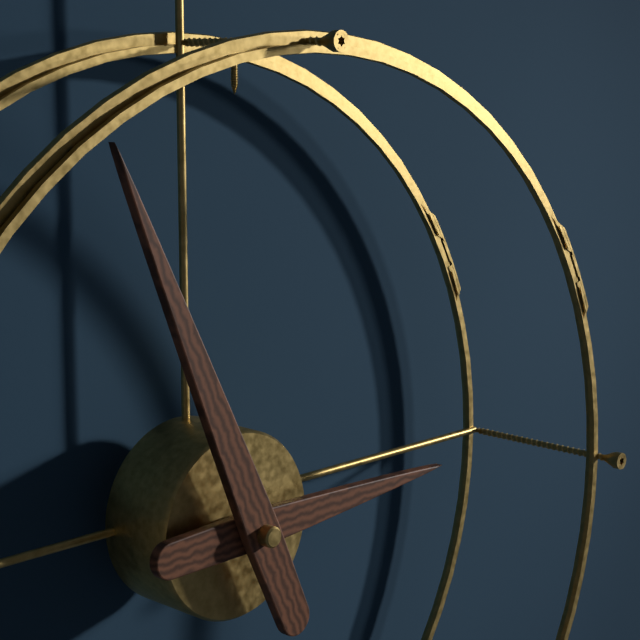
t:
2,56
